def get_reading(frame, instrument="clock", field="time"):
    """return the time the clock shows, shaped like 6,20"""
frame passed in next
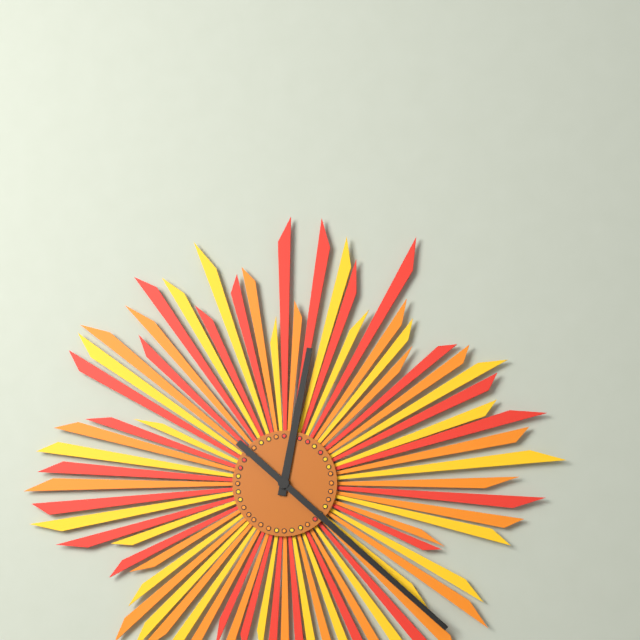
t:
12,22
